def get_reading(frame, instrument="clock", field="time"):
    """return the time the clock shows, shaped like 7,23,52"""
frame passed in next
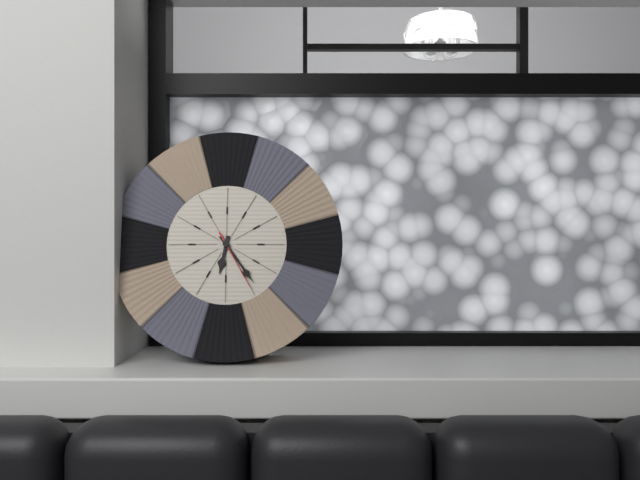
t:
6,24,25
